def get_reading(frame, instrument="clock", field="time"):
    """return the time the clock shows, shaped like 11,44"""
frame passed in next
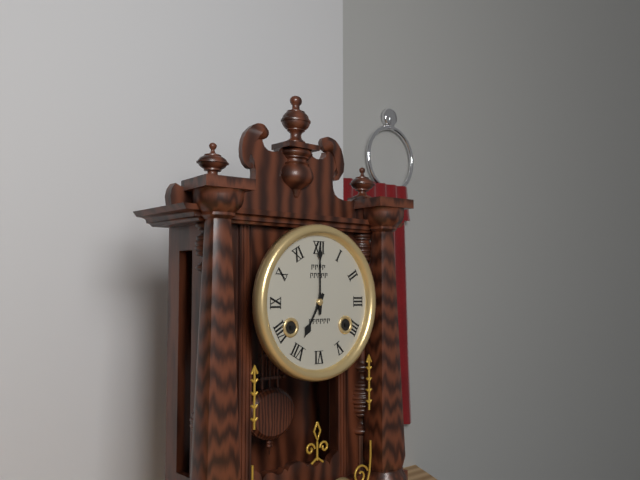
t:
7,00
